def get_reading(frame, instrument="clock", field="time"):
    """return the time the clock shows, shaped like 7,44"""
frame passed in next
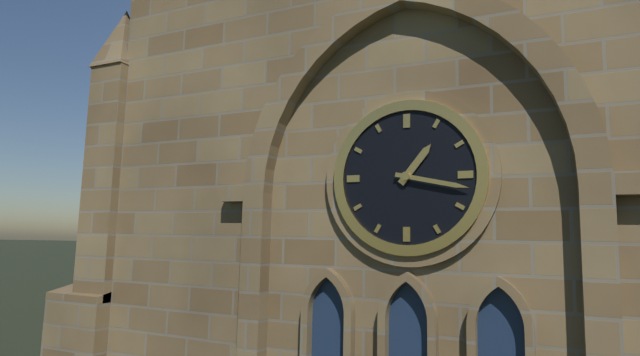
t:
1,17
